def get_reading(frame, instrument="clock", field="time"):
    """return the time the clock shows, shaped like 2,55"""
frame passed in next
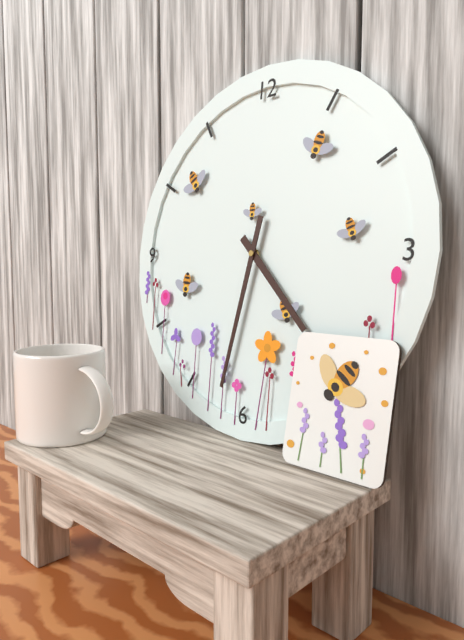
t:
4,32
